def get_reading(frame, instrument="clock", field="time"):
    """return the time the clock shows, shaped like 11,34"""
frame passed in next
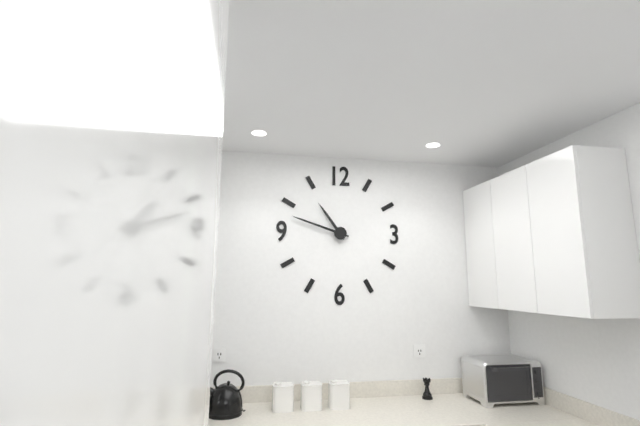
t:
10,48
